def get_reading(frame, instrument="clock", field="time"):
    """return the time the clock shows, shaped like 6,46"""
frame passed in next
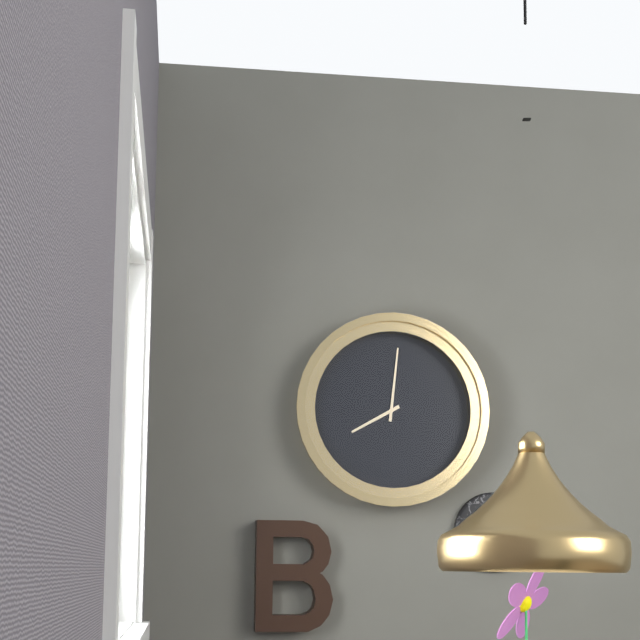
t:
8,01
